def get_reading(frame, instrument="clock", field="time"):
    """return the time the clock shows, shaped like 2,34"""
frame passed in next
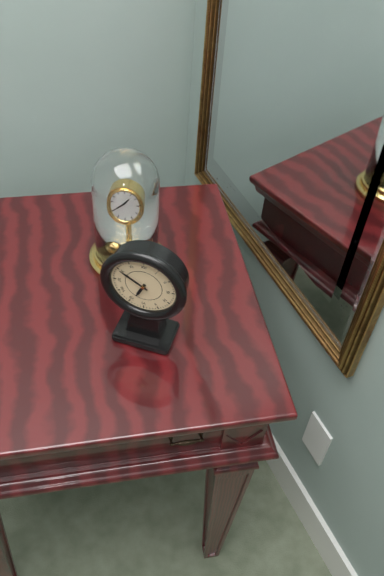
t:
6,50
